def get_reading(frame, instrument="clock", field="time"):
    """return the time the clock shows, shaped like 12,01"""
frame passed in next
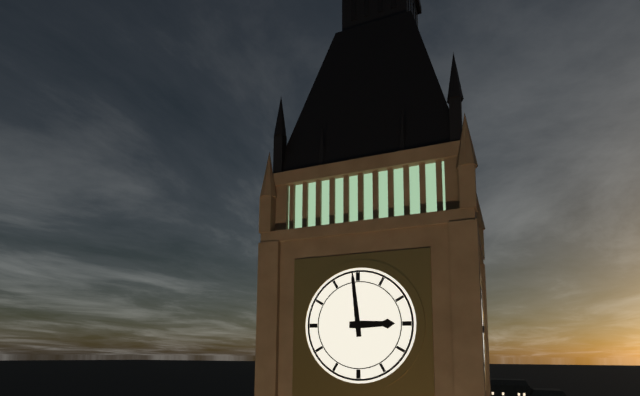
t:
2,59
